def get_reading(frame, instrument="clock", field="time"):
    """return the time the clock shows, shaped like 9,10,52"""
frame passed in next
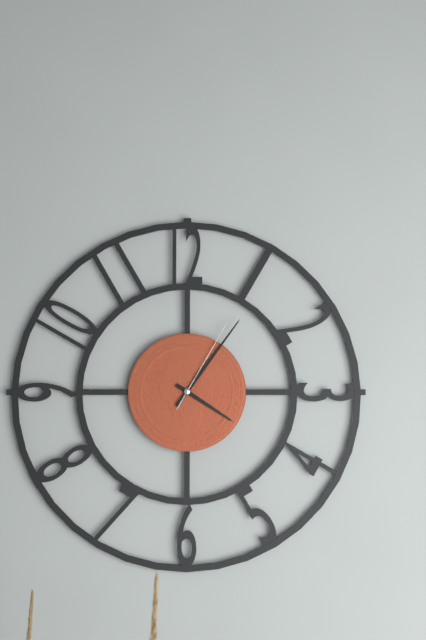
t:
4,06,05
